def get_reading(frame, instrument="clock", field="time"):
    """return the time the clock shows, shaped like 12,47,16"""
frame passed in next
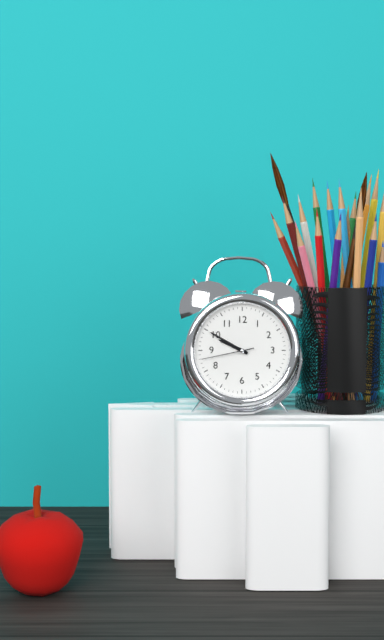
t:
9,50,43
